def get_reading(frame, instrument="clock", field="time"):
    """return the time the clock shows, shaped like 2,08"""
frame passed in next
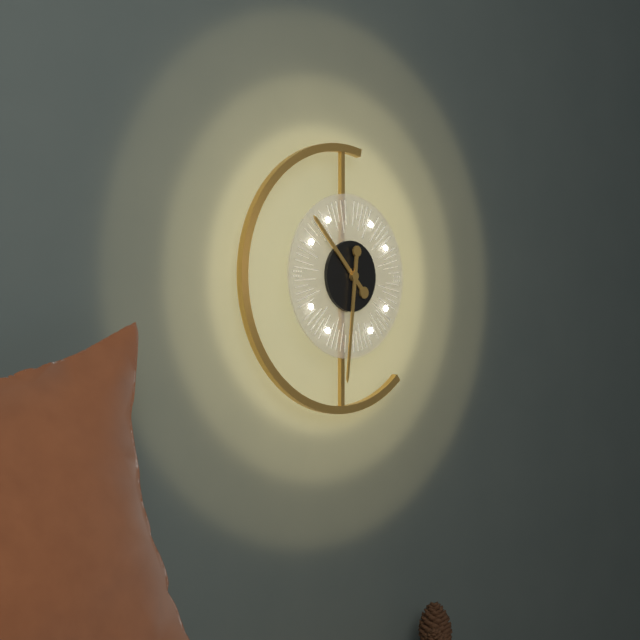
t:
10,31
